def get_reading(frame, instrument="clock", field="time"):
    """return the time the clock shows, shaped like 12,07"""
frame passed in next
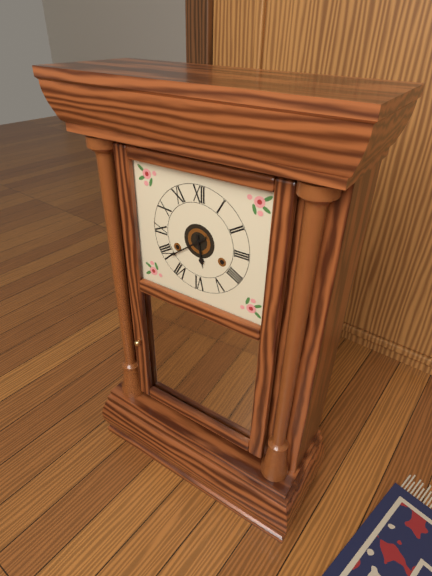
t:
5,39
